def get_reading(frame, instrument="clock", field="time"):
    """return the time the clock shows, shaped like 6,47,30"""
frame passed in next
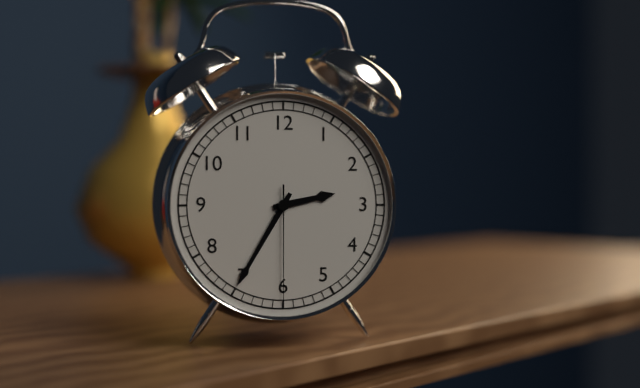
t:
2,35,30
